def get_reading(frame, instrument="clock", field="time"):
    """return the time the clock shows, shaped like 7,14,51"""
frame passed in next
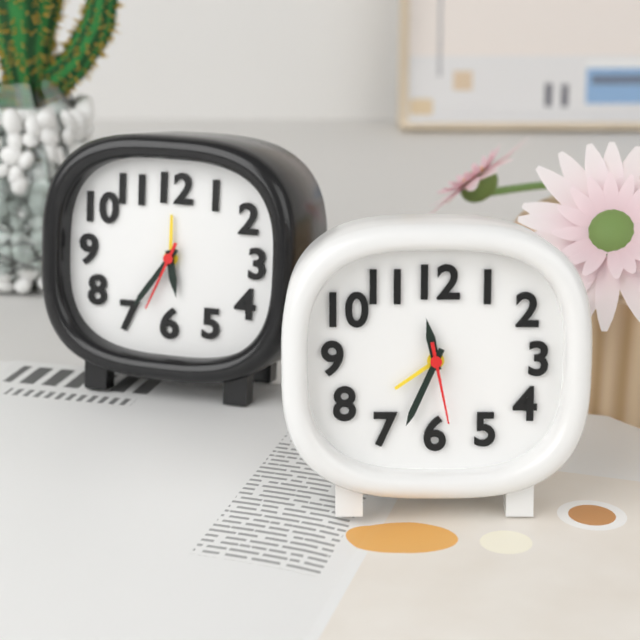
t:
11,34,28
